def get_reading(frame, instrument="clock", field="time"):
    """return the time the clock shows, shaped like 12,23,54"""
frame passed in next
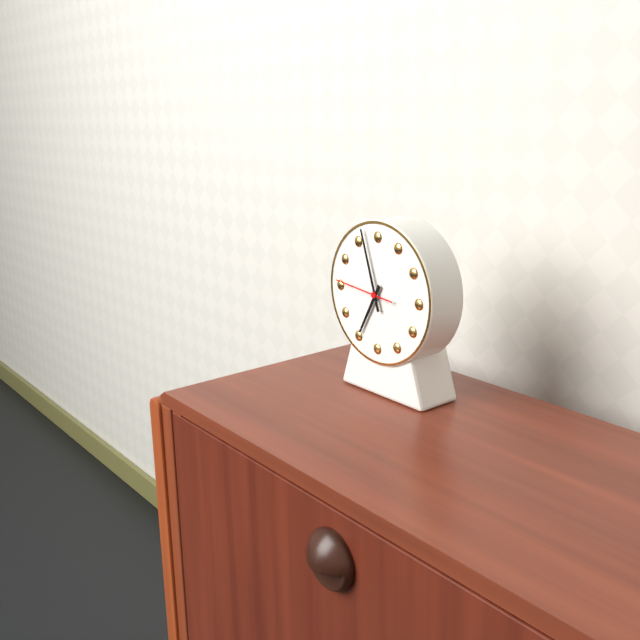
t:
6,57,46
